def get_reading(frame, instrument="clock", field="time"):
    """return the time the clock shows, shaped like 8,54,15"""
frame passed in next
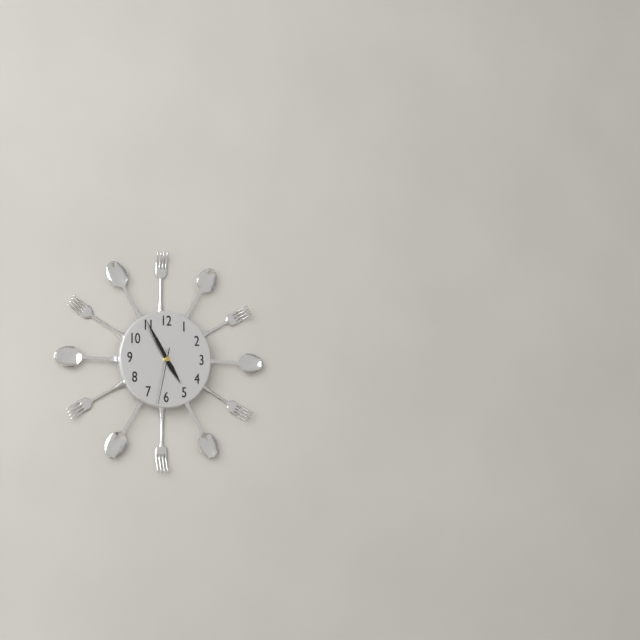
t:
4,55,32
